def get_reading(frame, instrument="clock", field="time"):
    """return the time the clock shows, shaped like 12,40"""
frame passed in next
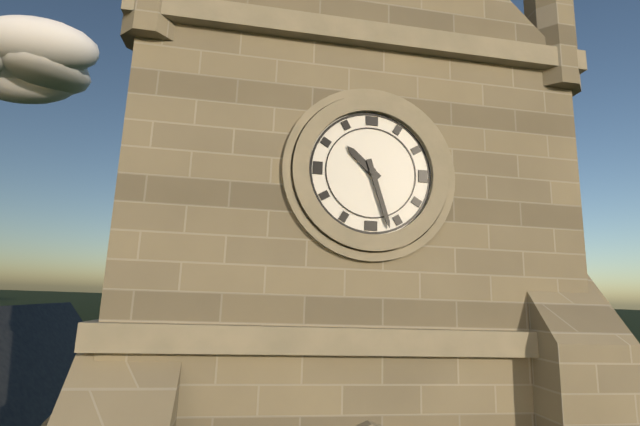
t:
10,27
